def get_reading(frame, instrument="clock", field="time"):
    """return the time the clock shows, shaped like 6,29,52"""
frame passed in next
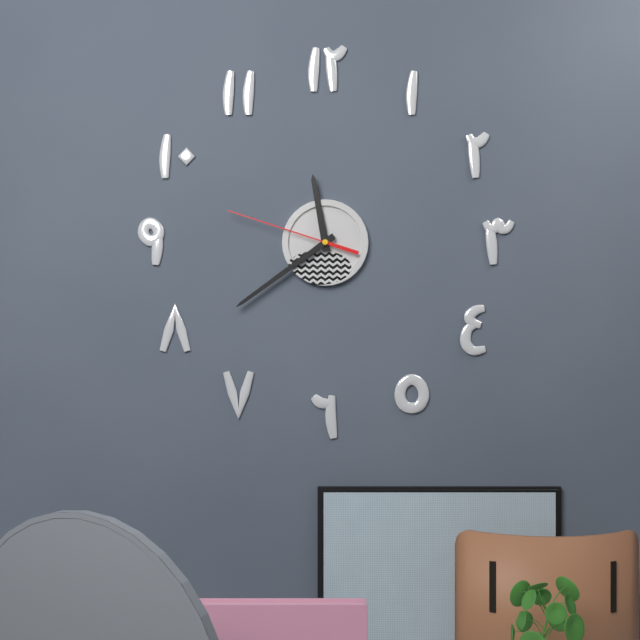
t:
11,39,48
